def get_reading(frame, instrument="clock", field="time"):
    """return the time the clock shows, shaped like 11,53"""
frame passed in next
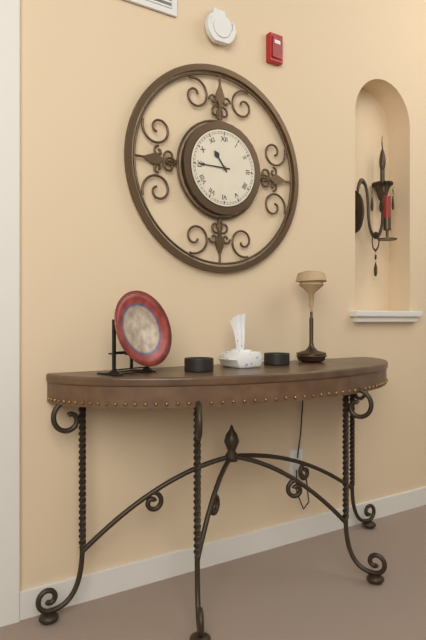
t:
10,45
